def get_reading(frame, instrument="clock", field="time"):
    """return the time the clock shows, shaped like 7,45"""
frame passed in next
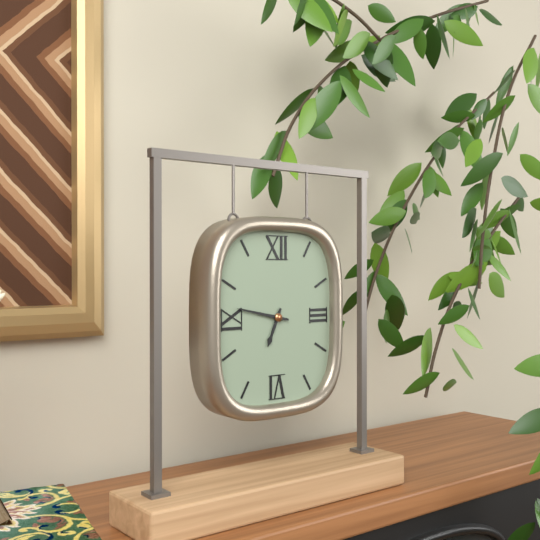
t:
6,47
